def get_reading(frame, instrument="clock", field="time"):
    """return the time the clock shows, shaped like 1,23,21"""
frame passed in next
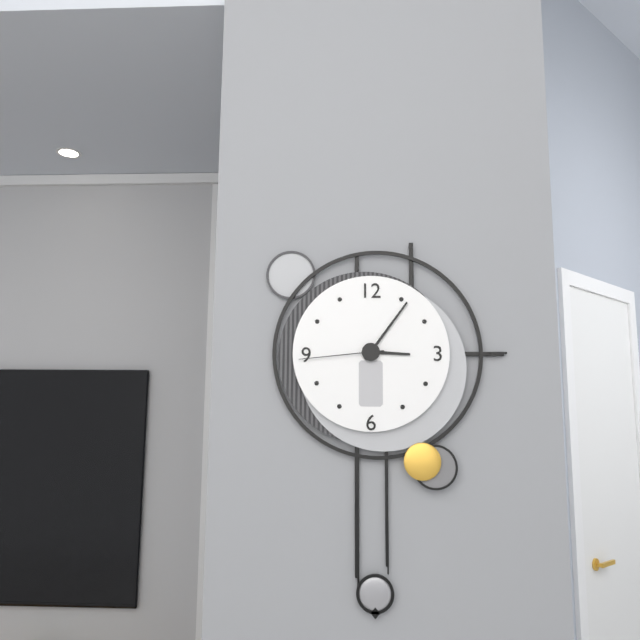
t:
3,06,44
